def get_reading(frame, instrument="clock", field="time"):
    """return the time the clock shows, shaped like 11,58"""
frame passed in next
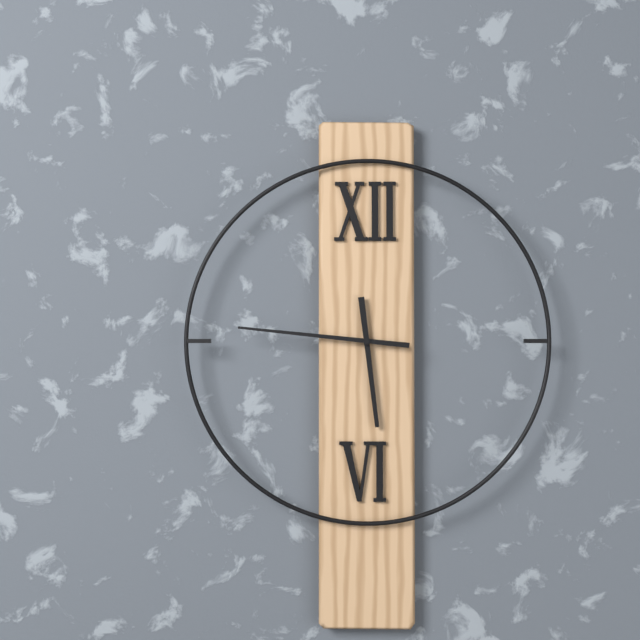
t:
5,46
